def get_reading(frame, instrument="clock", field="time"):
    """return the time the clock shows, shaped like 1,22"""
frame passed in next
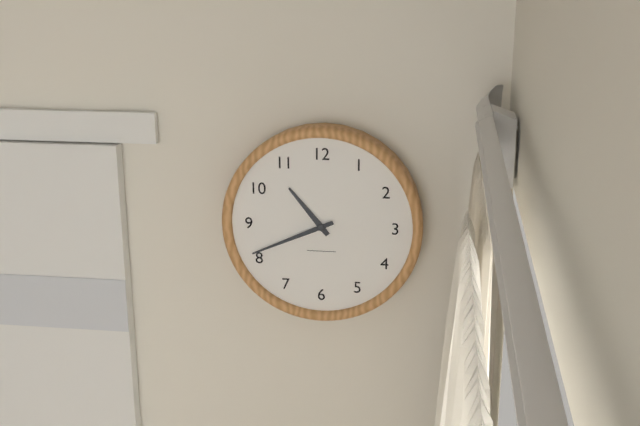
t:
10,41
